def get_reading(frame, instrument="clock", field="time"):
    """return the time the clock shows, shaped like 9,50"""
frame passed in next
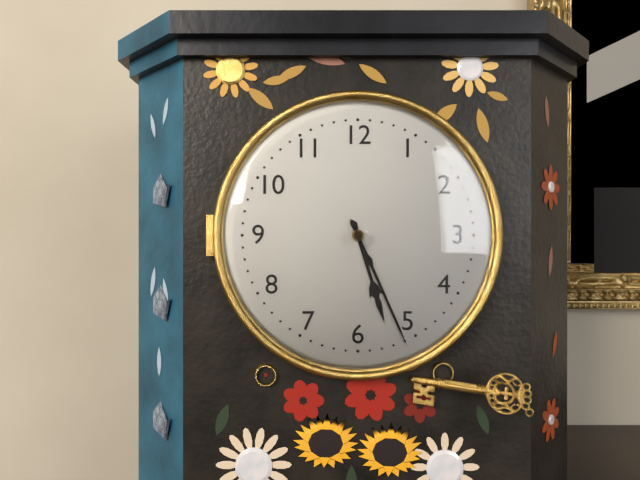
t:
5,26
